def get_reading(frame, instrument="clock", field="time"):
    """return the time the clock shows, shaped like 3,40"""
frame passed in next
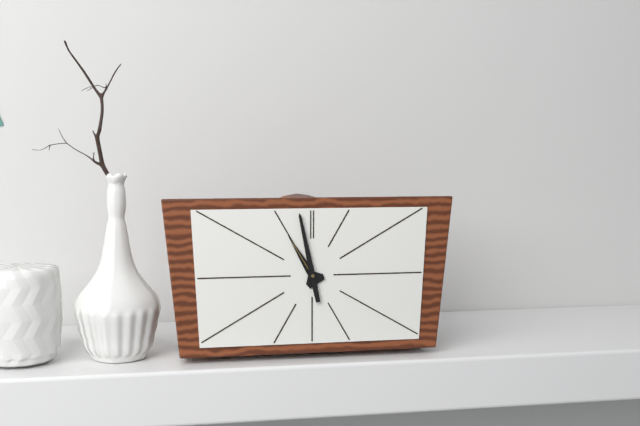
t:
10,58
